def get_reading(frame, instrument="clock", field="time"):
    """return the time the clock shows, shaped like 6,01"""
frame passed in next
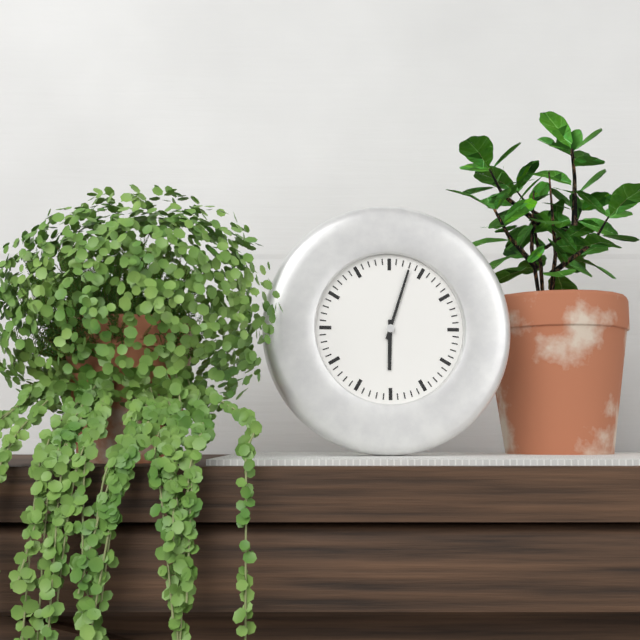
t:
6,03
